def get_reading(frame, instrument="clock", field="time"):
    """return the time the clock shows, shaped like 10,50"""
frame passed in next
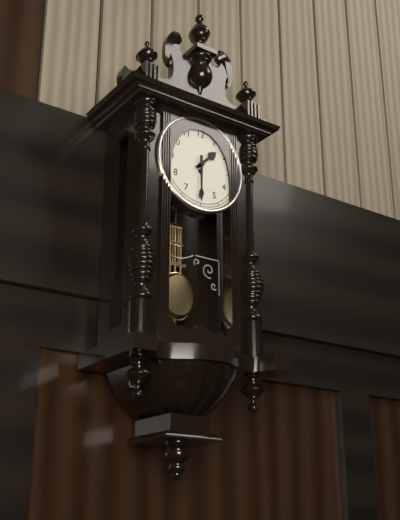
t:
1,30
